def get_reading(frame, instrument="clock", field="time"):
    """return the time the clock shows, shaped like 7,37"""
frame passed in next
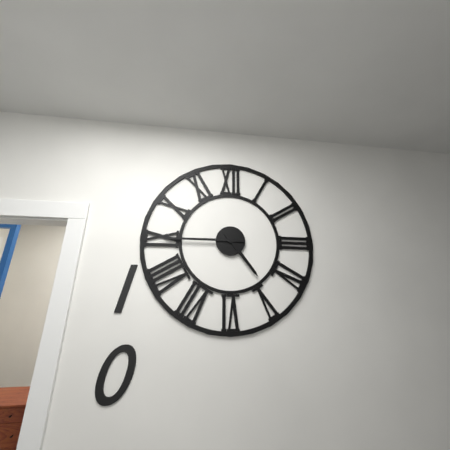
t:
4,45
